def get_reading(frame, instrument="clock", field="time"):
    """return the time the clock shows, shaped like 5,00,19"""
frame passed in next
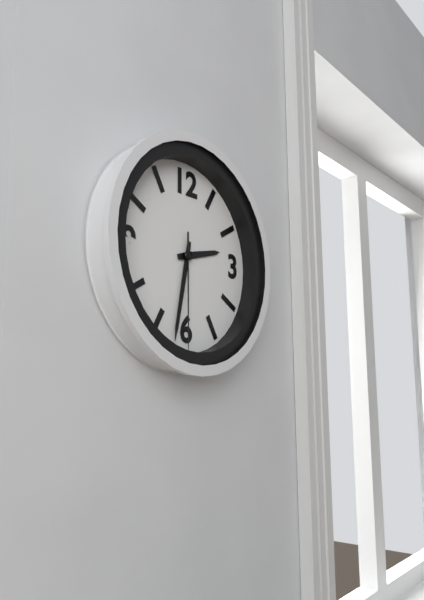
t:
2,32,30
